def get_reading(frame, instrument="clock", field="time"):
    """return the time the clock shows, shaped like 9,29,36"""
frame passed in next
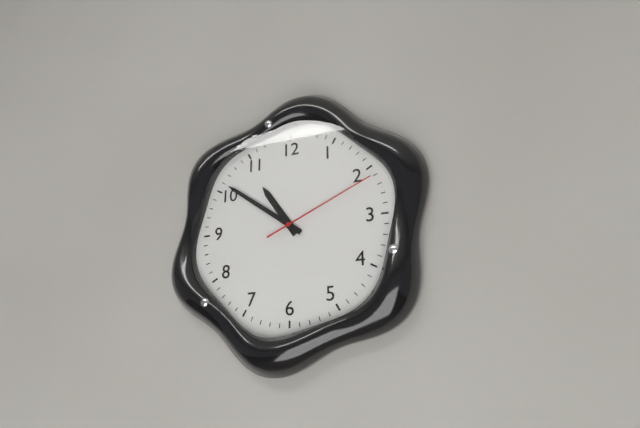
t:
10,51,11
